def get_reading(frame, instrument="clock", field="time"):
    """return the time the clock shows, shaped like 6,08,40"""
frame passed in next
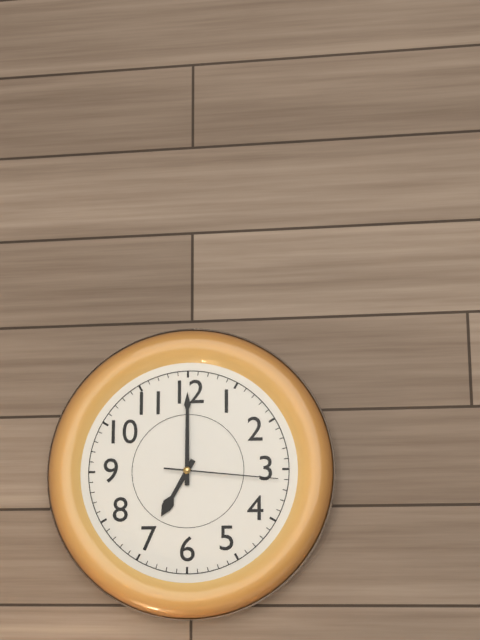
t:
7,00,16
